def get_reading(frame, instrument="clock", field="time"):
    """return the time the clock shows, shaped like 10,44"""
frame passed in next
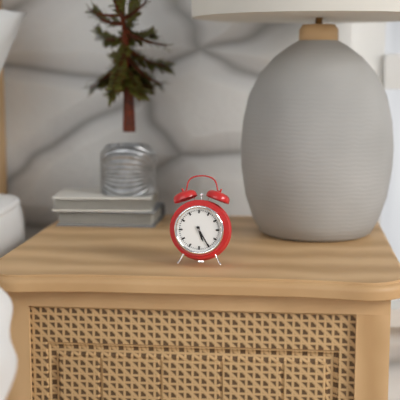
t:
5,25
